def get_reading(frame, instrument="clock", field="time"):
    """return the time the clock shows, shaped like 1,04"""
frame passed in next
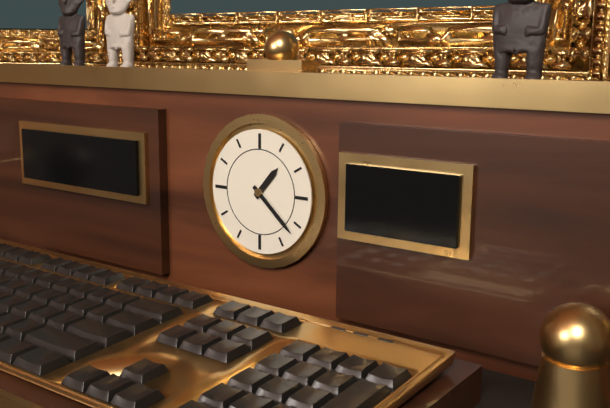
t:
1,22
